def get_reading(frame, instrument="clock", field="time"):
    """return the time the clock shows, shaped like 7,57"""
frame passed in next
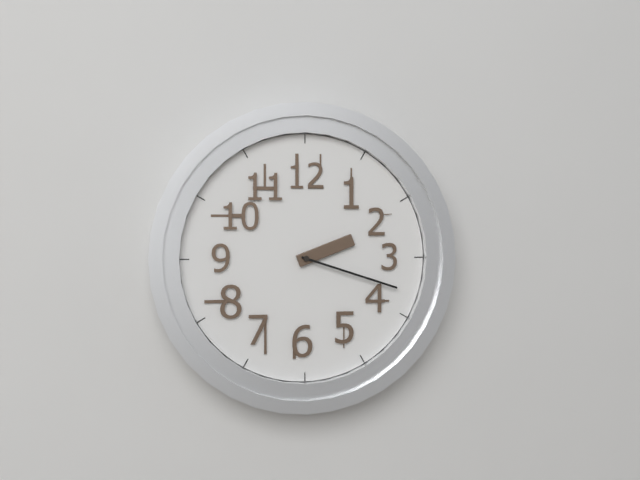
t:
2,18
